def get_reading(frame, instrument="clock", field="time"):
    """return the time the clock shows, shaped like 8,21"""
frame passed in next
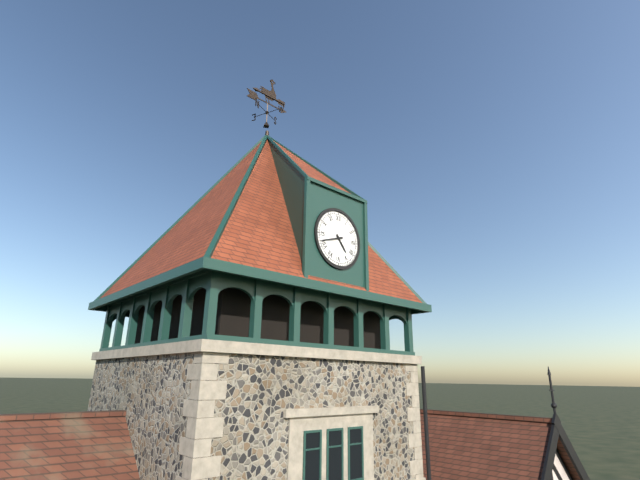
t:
4,42
